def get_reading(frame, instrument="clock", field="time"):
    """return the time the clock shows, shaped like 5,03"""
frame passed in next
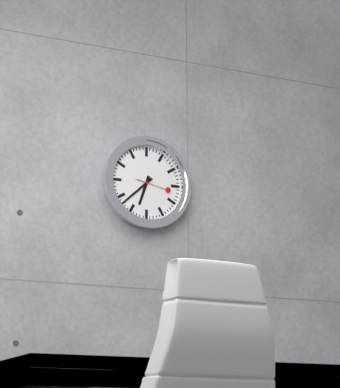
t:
6,38
